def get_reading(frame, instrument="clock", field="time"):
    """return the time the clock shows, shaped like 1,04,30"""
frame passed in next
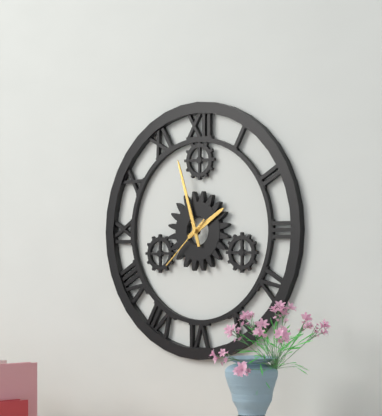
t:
1,57,38
